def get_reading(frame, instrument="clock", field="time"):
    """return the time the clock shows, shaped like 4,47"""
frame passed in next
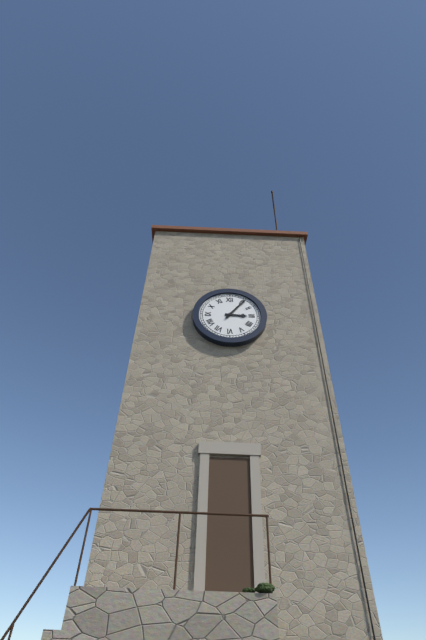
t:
3,06
